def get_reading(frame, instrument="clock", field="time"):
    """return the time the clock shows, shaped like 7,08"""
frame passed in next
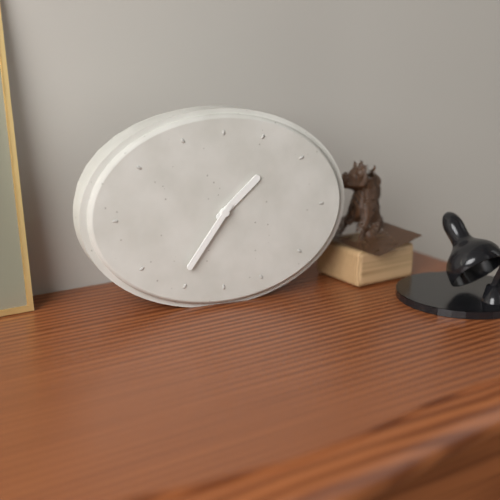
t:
1,36
